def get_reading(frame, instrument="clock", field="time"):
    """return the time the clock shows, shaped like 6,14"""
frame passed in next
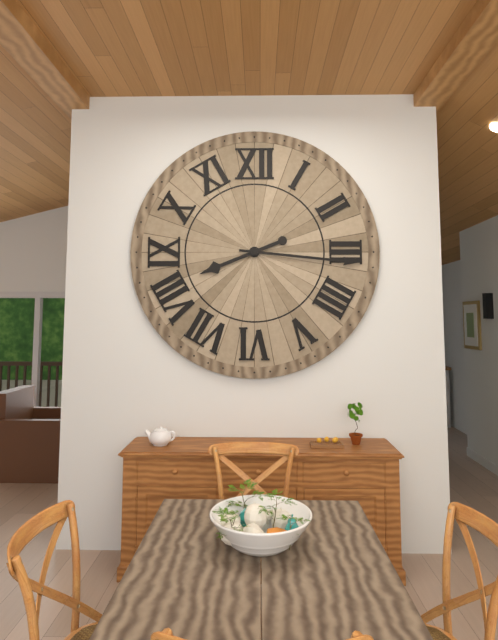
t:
8,16
